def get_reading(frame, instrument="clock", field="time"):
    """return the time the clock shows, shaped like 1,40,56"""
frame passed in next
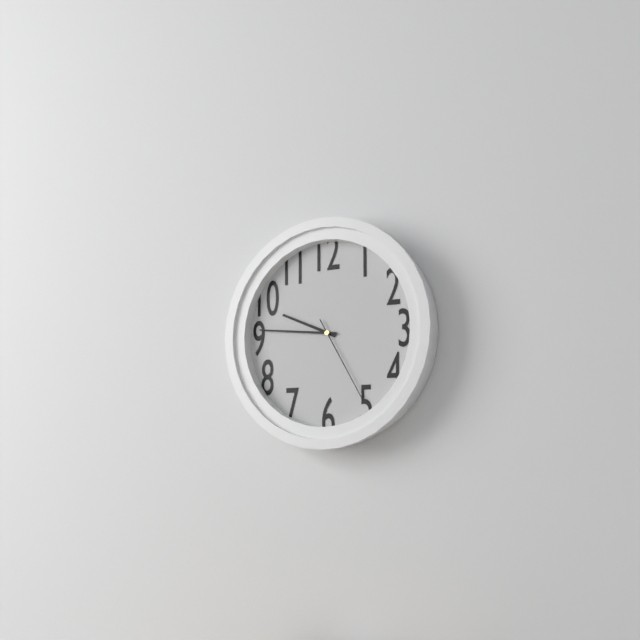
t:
9,46,25
